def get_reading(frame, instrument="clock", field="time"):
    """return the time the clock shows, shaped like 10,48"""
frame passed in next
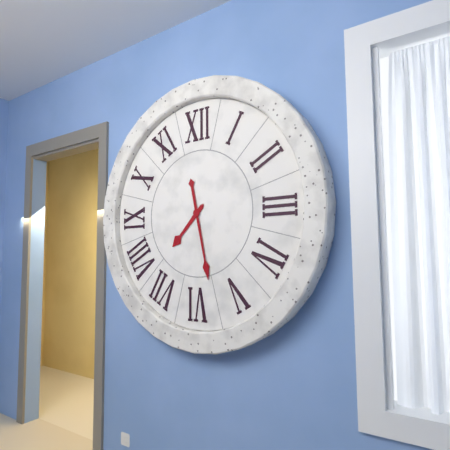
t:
7,28
